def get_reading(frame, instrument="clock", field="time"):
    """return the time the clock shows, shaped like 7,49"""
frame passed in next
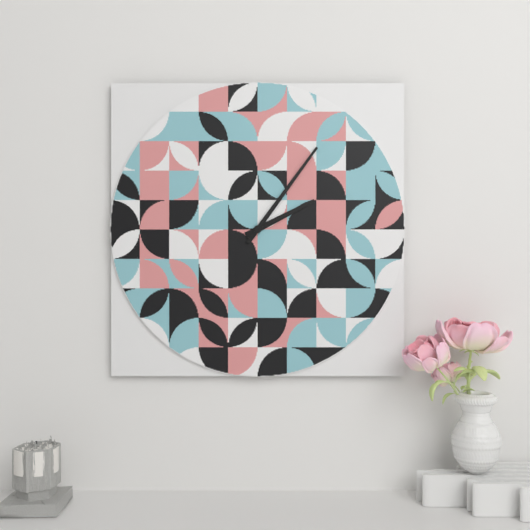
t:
2,06
